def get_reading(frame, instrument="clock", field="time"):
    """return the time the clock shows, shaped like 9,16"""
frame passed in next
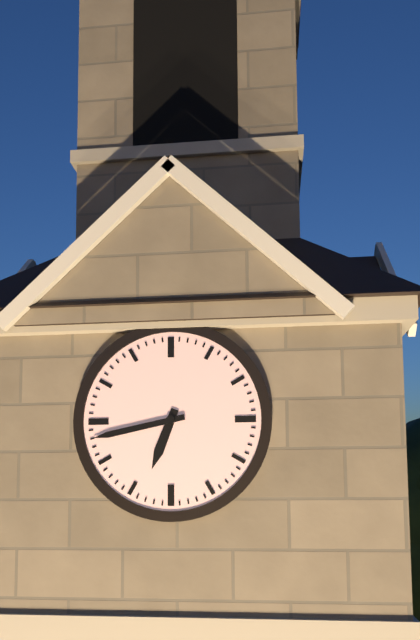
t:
6,43
